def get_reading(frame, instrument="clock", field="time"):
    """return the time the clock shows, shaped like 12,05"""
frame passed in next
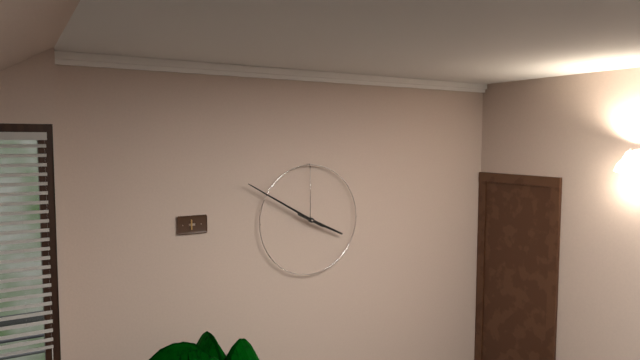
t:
3,50
